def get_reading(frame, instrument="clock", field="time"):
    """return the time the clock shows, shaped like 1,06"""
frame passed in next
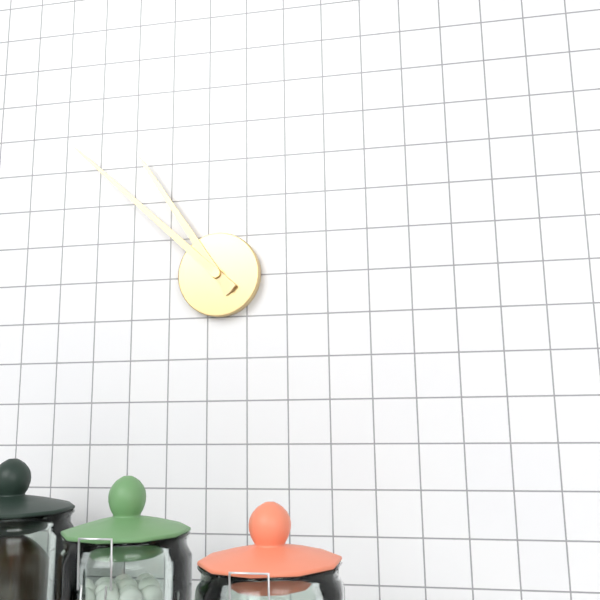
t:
10,52
